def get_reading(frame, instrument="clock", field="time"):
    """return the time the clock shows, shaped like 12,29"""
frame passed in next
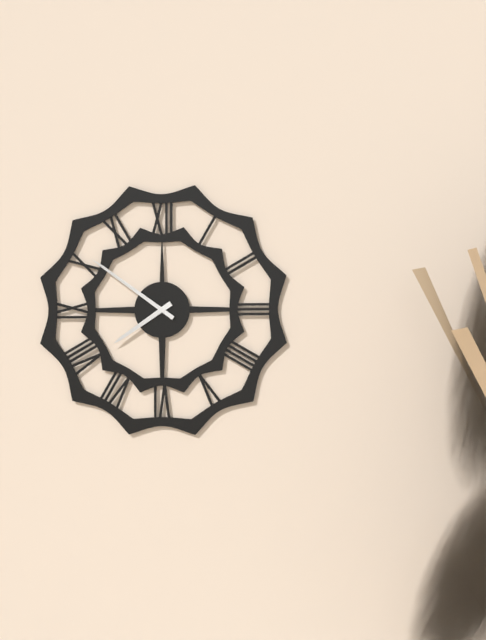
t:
7,51
